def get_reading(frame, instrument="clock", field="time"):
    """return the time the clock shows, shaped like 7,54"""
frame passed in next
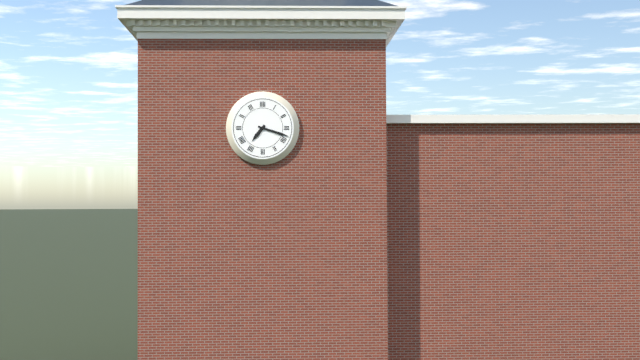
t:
7,18
